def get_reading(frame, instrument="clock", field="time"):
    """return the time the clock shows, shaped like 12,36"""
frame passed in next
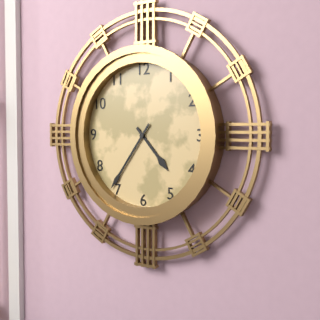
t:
4,36
